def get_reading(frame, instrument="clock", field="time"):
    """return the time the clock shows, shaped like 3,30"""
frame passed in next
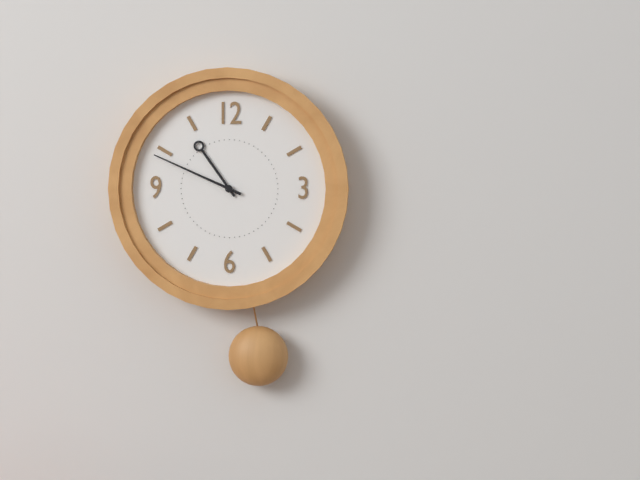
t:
10,49
